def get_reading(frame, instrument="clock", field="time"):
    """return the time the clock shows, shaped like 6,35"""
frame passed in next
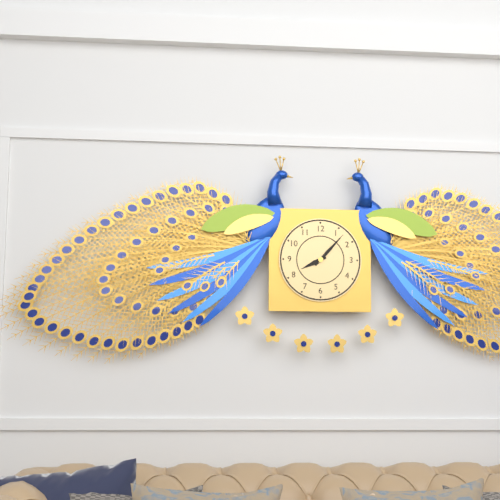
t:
8,07
